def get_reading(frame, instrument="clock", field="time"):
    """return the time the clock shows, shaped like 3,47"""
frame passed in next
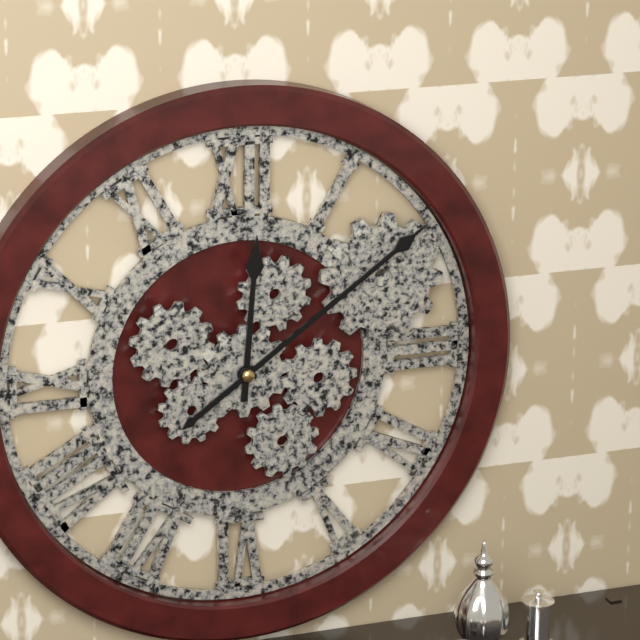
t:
12,09
